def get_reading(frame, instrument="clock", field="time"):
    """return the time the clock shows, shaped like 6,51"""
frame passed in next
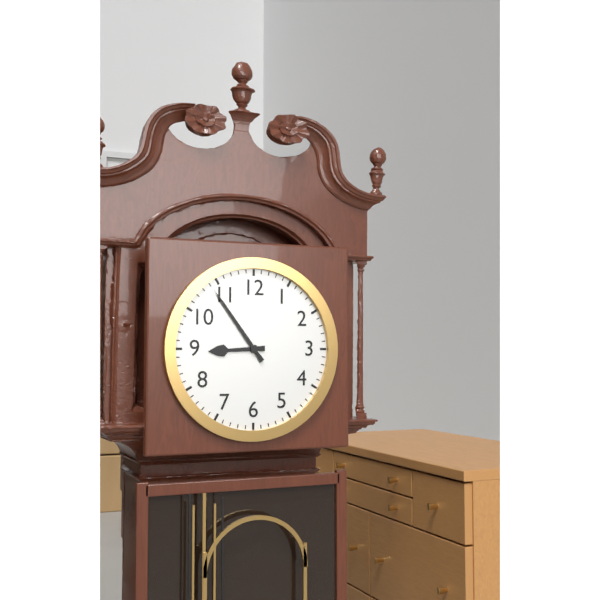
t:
8,54
